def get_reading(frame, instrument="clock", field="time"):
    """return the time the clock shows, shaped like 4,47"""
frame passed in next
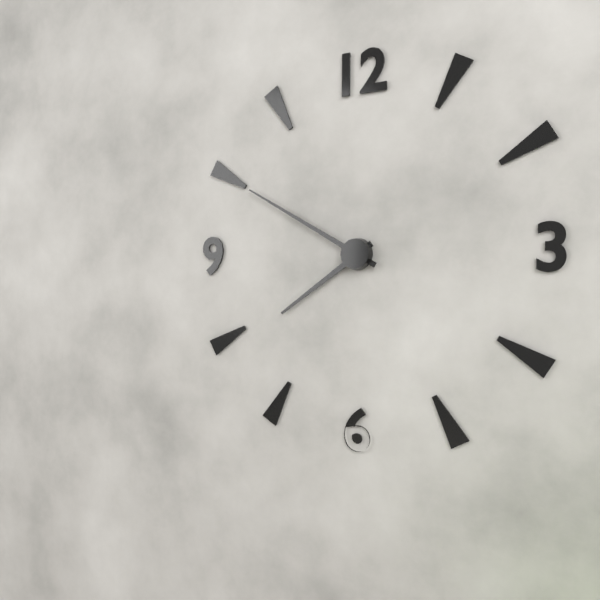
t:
7,50
